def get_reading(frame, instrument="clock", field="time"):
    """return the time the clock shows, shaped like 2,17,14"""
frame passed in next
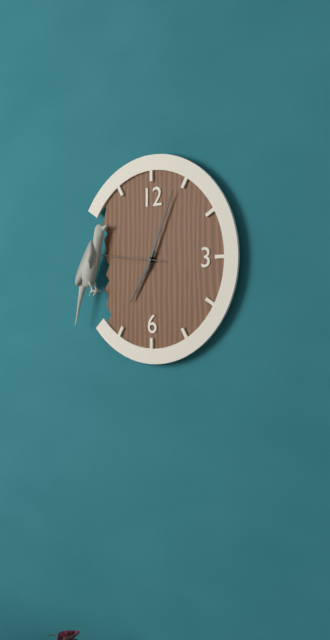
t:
7,04,46
